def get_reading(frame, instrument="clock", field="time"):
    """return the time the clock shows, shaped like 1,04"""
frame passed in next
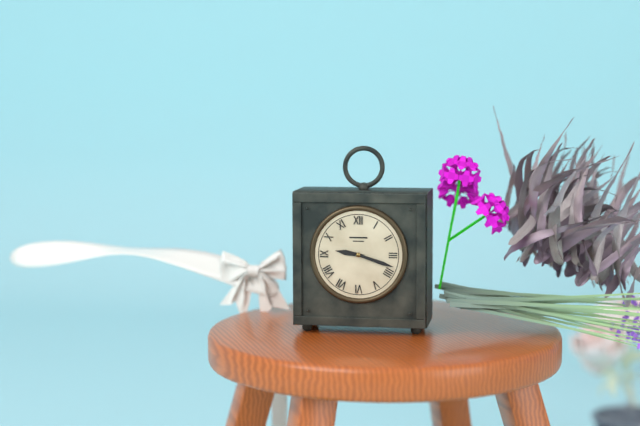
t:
9,18
